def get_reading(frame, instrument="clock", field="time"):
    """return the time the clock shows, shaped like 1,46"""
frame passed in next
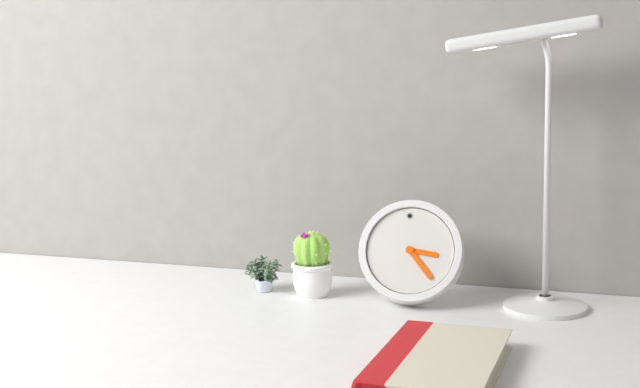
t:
3,24
